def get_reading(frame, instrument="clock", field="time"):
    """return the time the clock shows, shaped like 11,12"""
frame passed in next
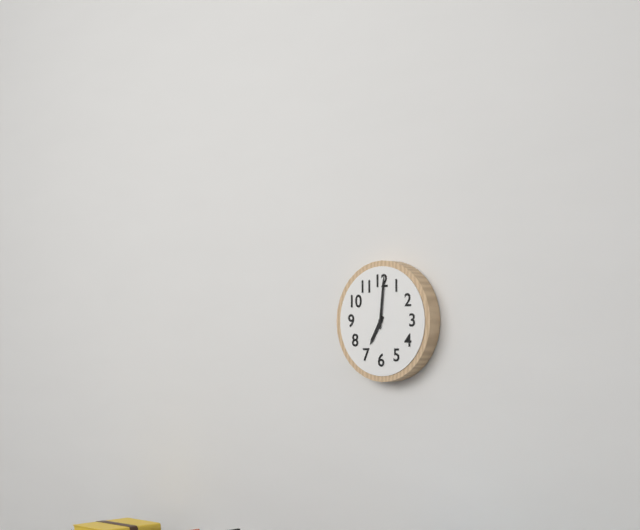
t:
7,01
